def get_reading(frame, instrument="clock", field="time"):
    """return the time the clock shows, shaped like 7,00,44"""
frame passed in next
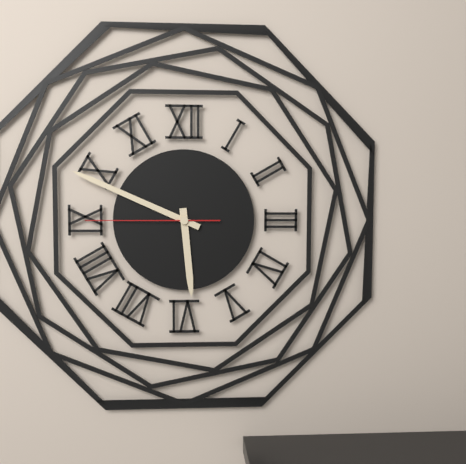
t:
5,49,45
